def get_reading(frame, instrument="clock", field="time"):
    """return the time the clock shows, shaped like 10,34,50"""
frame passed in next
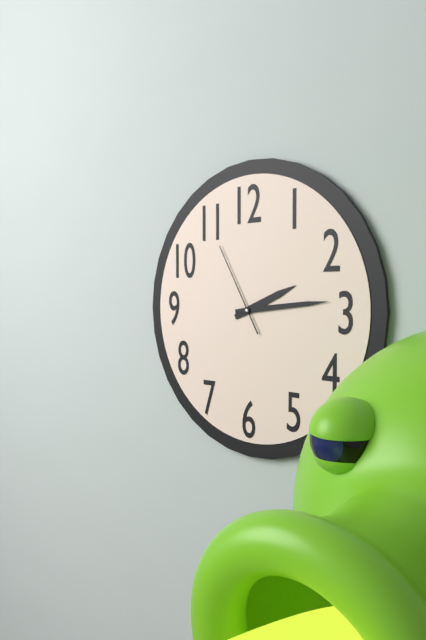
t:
2,14,55
